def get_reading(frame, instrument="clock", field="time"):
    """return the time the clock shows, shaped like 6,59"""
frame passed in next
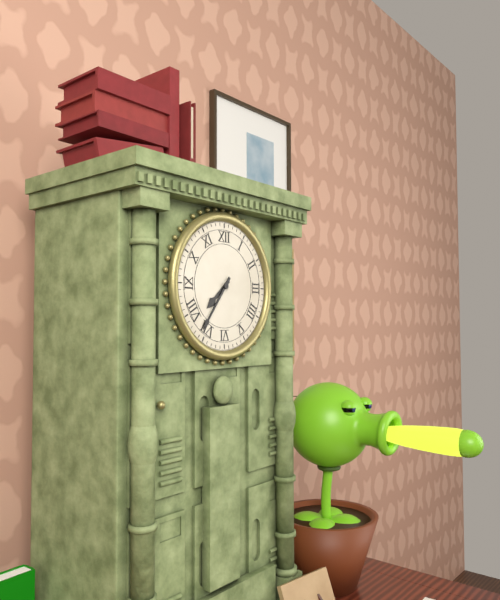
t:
7,36
